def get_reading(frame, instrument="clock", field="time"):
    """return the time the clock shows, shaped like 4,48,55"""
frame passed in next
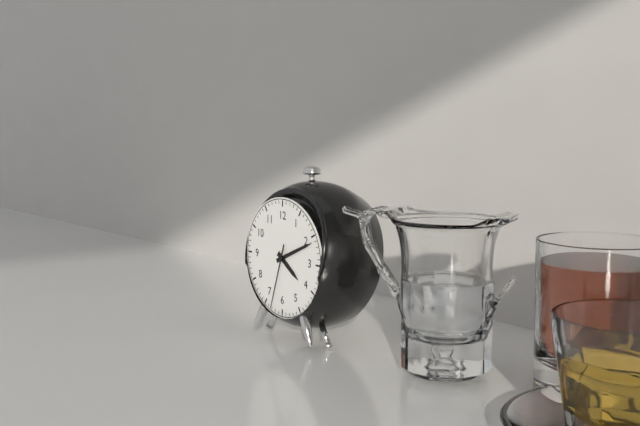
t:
4,11,33
